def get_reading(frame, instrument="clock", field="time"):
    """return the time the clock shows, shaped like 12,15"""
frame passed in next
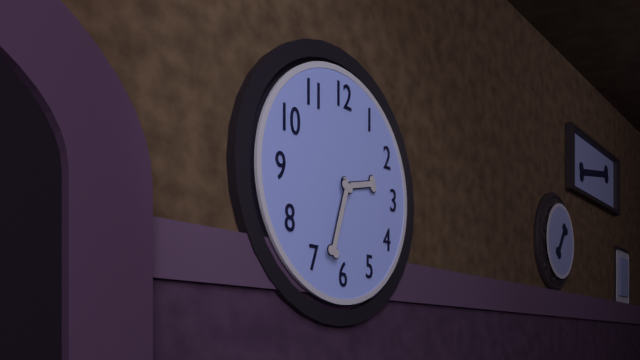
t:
2,33
